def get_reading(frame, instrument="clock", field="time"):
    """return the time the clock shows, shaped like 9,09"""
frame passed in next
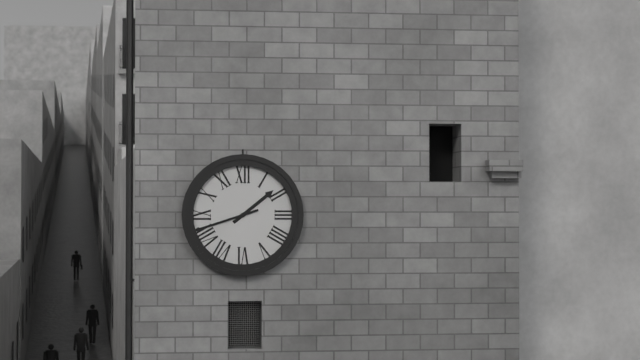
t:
1,42
